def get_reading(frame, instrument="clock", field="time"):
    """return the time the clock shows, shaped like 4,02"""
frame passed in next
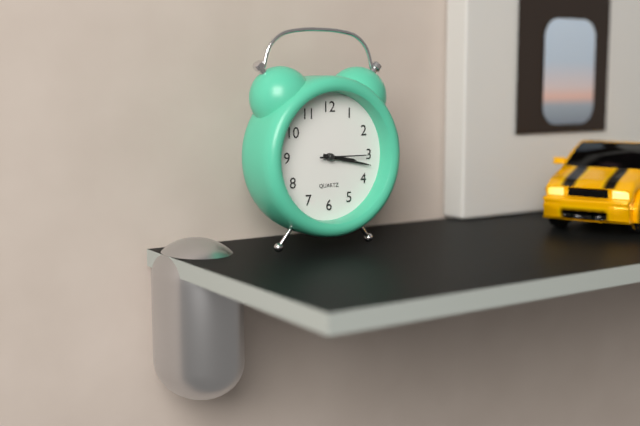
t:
3,17
